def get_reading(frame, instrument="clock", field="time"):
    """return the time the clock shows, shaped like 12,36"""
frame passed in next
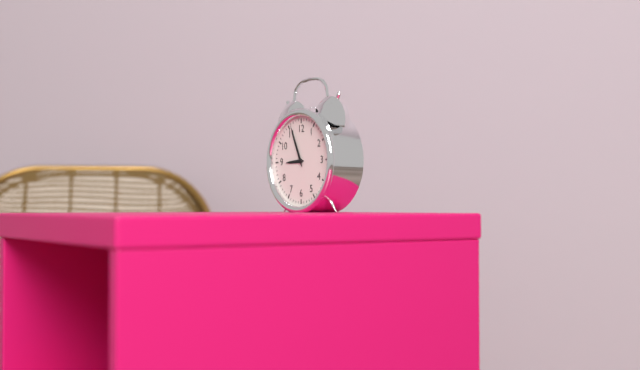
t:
8,56
